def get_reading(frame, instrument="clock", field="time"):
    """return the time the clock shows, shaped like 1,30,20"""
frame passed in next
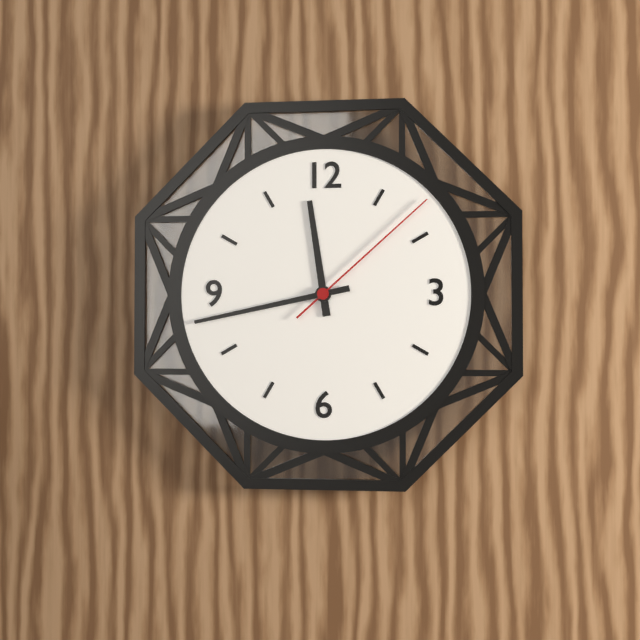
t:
11,43,08
